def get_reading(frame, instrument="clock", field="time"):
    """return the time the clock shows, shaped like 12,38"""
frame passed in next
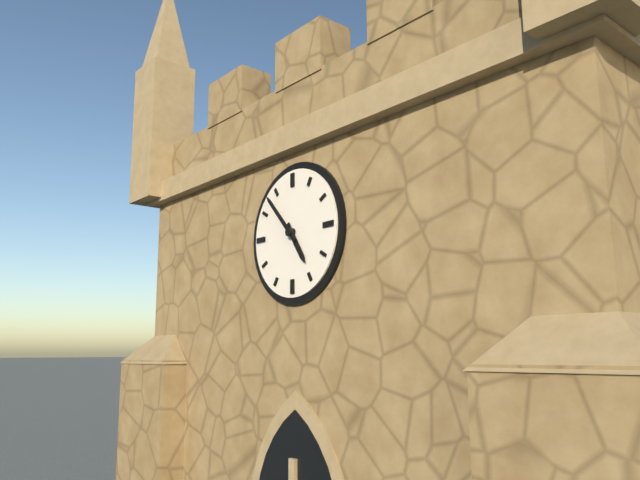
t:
4,53
